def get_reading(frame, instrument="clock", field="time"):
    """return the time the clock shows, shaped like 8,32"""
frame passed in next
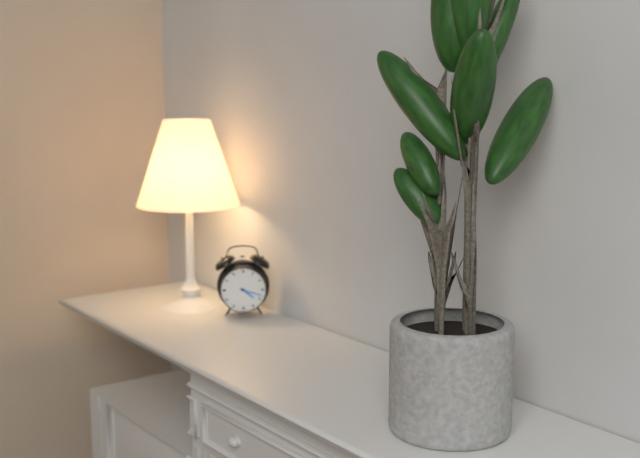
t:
4,18
